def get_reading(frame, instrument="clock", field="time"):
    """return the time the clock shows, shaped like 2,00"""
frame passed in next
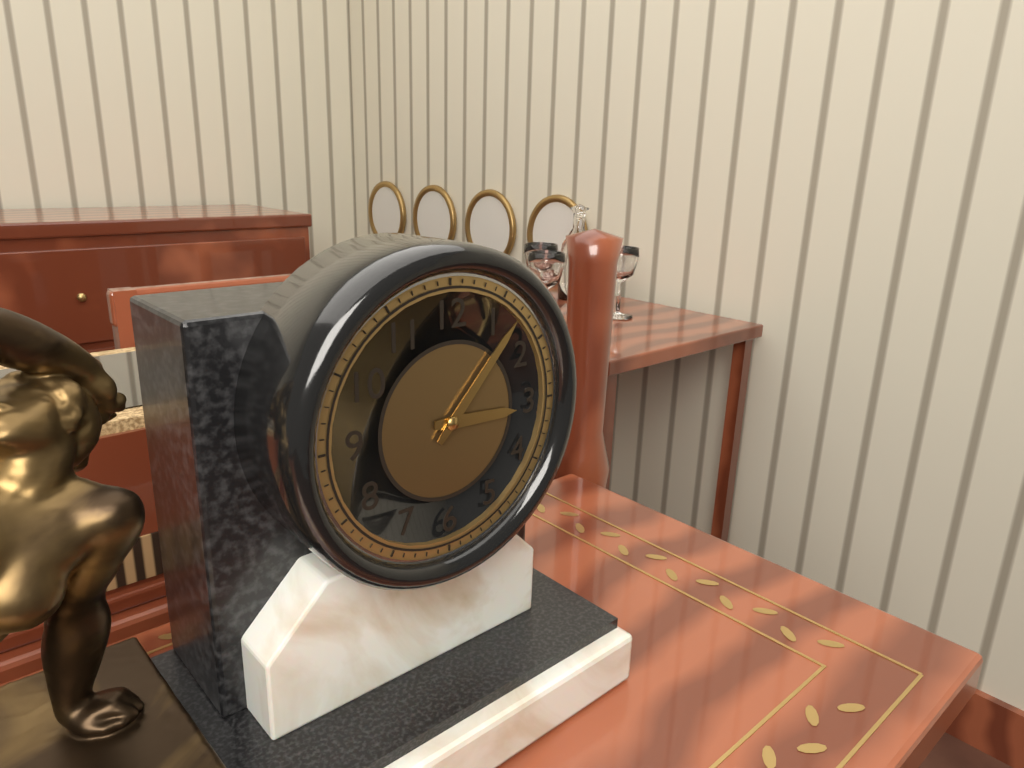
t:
3,07
